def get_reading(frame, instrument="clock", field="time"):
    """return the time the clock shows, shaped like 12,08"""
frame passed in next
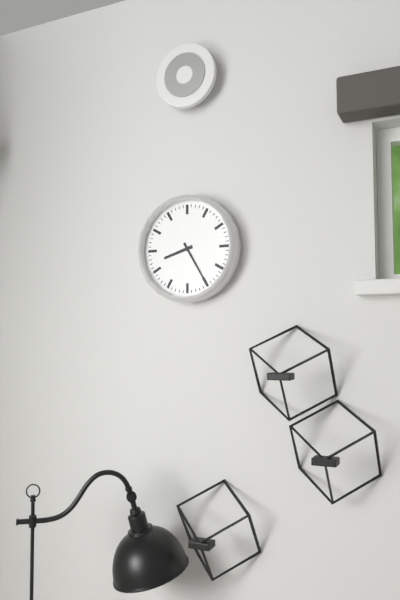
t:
8,25
